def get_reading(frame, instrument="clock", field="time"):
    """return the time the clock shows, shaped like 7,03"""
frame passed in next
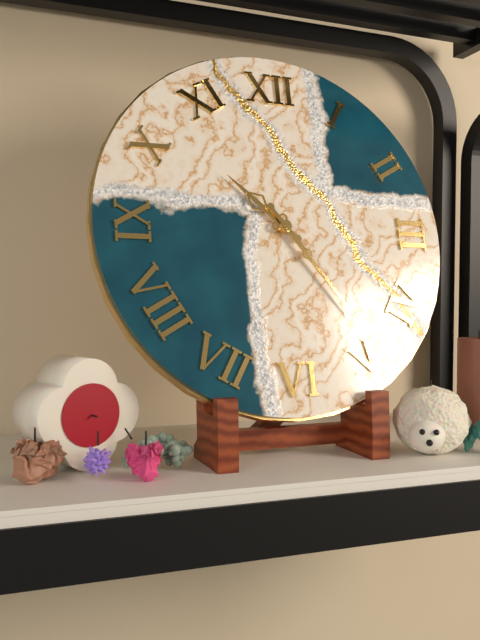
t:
10,24
